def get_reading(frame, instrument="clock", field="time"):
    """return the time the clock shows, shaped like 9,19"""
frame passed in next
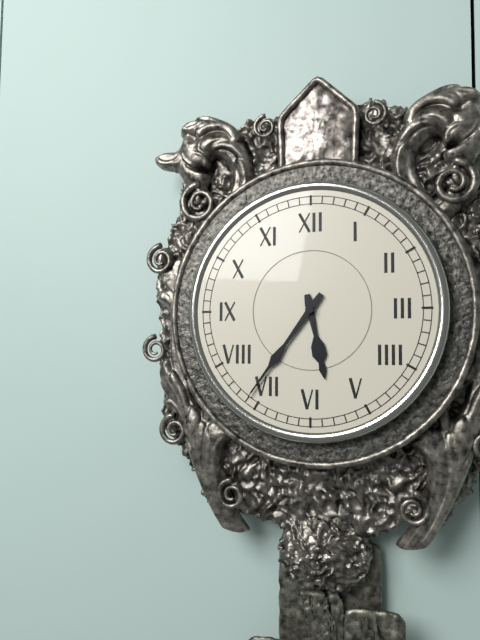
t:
5,36
